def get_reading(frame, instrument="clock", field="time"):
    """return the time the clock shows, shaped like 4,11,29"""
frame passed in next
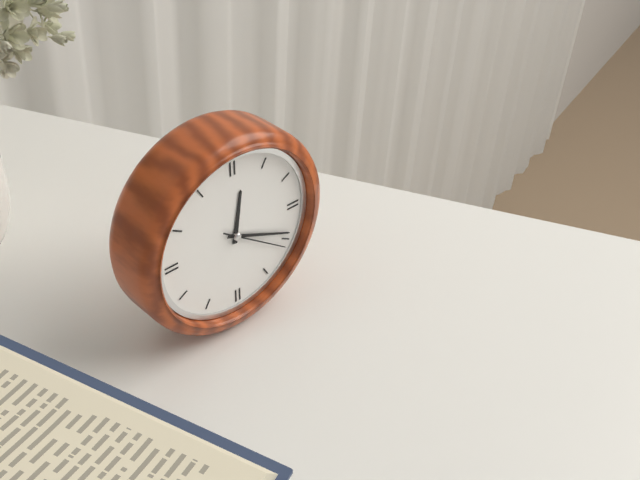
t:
12,19,21
